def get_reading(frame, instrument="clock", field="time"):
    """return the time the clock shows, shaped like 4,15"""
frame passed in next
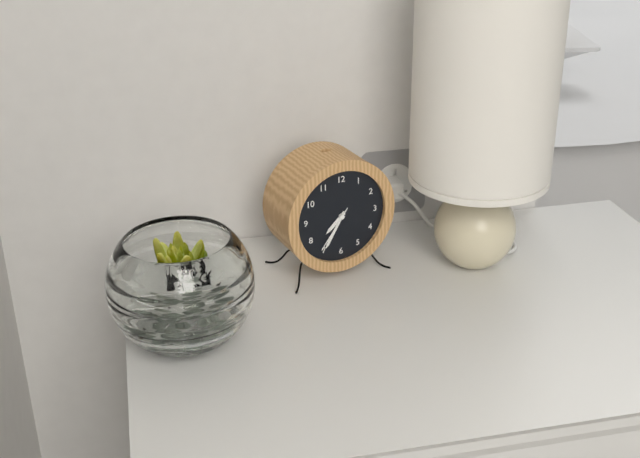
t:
7,35
